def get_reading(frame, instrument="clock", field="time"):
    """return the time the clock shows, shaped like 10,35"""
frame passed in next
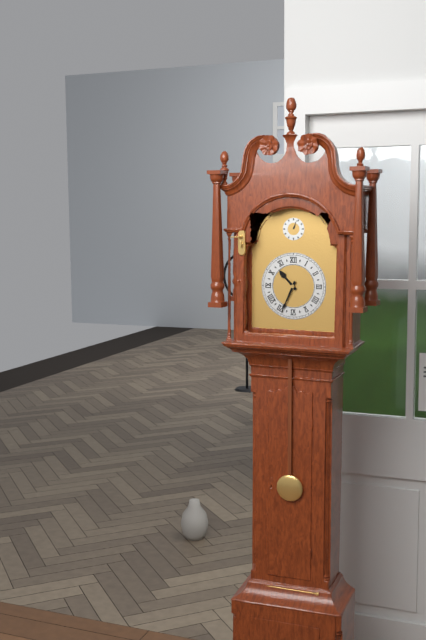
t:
10,34
